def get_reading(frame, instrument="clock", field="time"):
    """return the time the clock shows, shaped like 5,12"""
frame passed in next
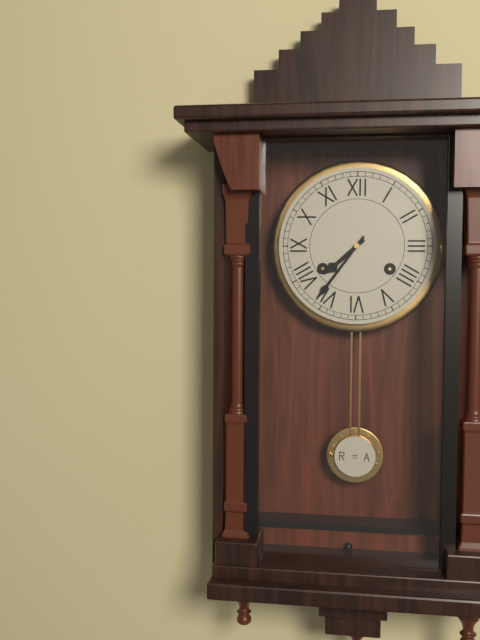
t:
7,36
